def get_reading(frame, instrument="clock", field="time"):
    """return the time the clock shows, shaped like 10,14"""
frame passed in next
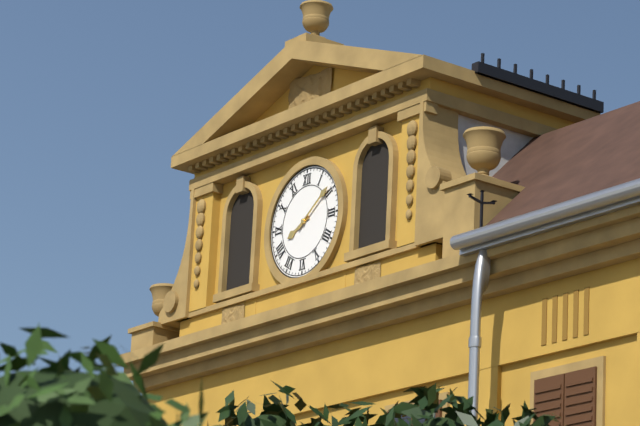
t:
8,09
